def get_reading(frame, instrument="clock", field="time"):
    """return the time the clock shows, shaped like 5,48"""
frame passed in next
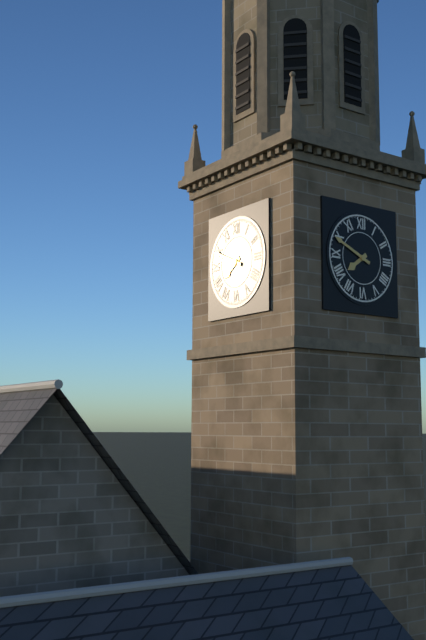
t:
7,49
